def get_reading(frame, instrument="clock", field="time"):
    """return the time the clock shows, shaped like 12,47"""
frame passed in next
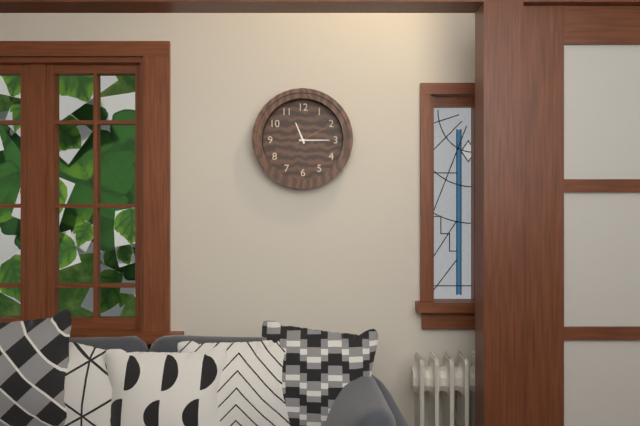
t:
11,15
